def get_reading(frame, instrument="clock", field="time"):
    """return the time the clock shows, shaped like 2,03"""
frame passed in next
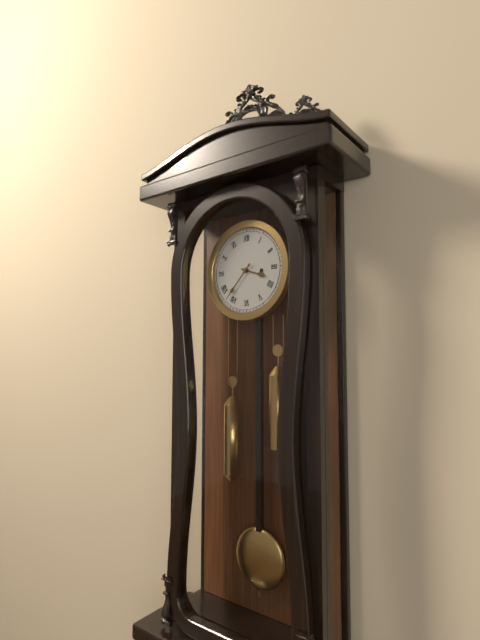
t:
3,37
